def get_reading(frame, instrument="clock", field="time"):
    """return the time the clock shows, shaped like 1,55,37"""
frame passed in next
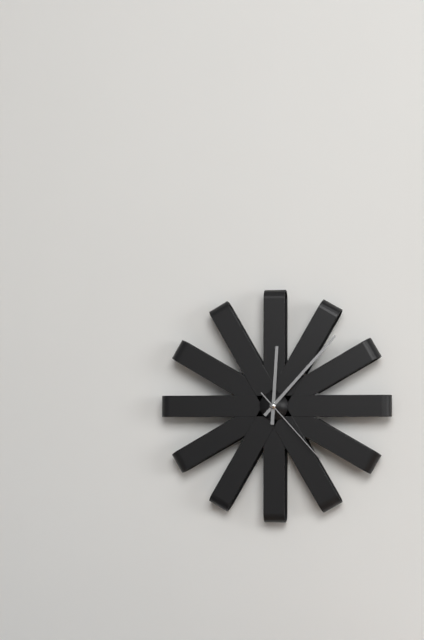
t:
12,07,23
